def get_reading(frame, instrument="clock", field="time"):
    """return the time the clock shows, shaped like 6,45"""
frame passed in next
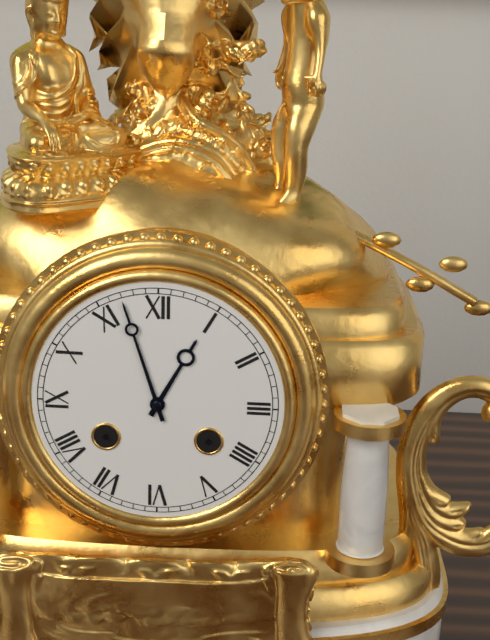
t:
12,57
